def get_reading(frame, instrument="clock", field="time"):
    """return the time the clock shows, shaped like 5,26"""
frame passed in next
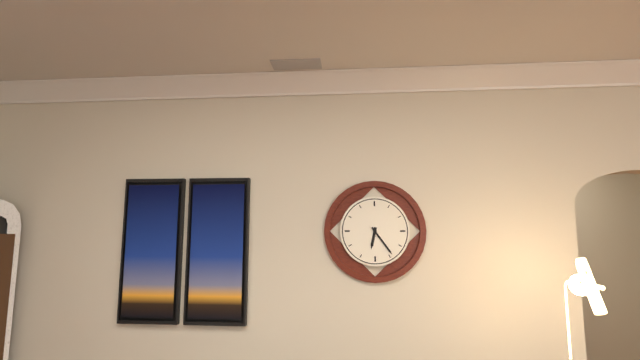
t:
6,24
